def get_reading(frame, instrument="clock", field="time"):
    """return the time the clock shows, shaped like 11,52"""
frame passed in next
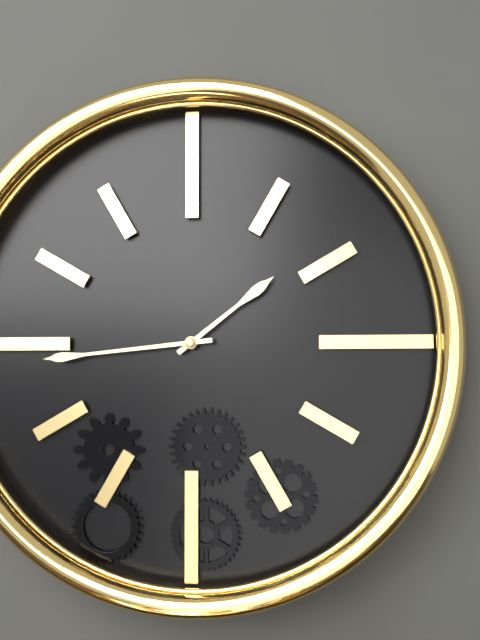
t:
1,44
